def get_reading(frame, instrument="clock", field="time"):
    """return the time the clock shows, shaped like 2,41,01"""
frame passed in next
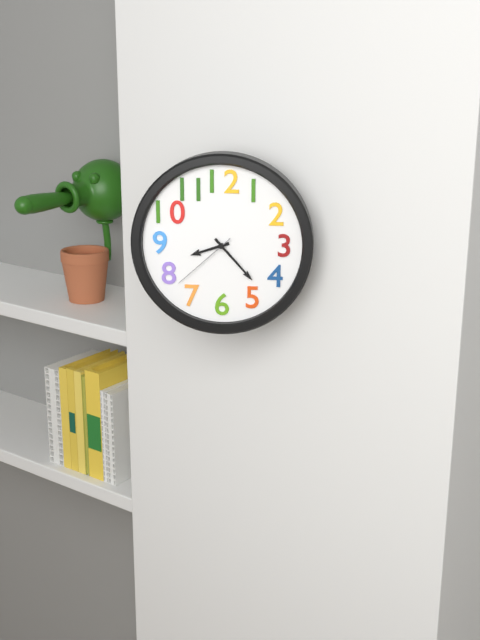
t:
8,23,38
